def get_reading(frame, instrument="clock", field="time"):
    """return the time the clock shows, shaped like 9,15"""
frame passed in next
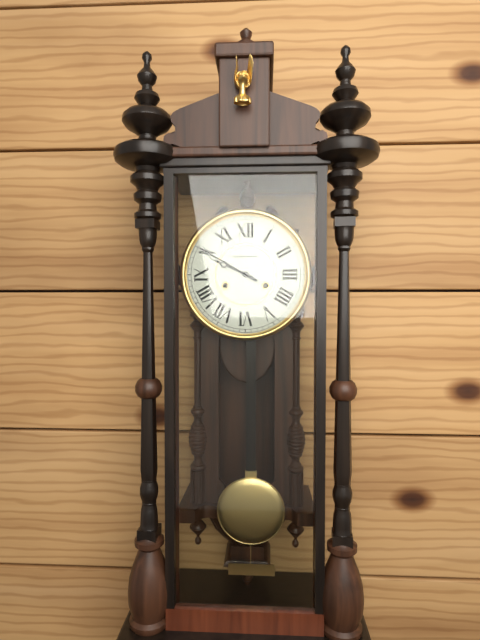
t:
9,50
